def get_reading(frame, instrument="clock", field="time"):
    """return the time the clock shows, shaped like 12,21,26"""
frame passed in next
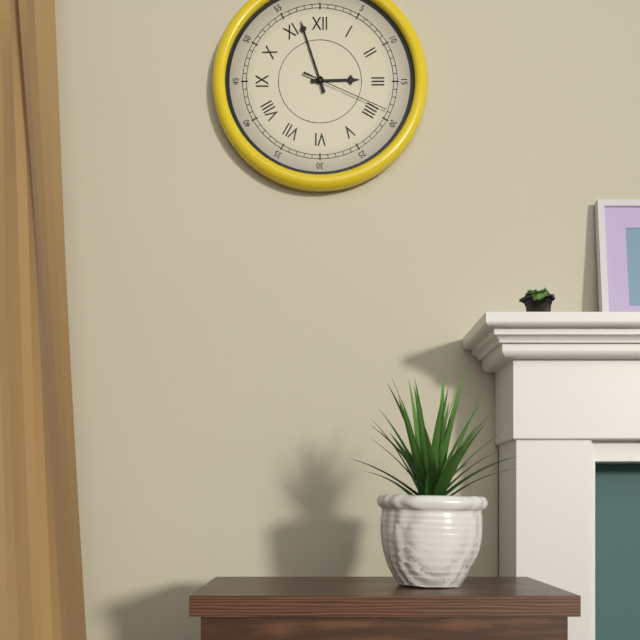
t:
2,57,19
